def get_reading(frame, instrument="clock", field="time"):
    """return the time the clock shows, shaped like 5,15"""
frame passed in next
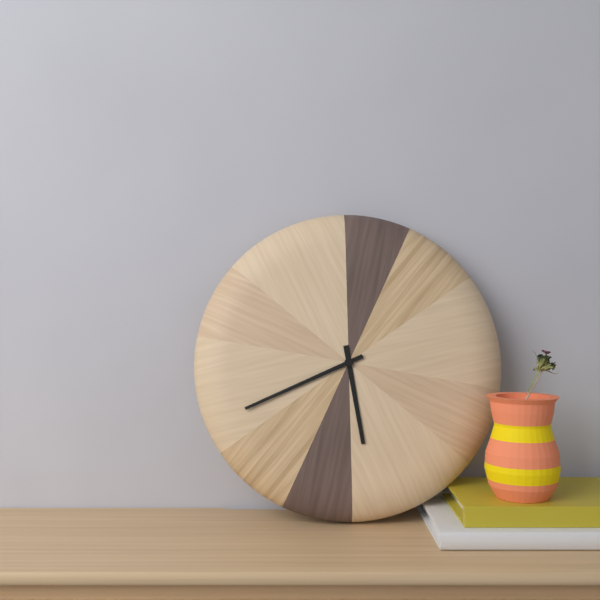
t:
5,41
